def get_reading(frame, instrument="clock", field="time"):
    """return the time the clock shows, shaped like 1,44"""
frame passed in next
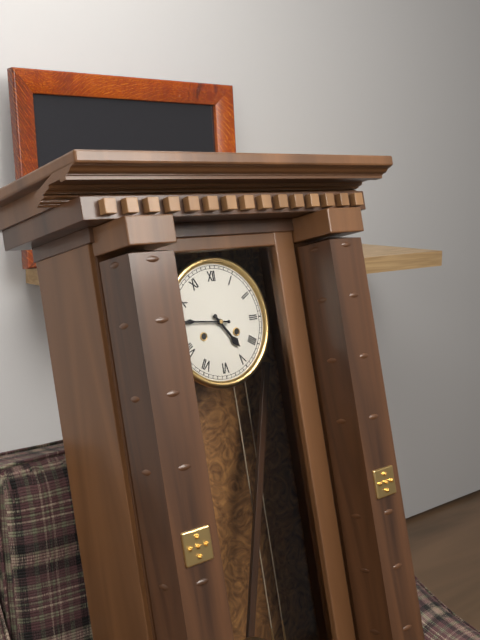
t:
4,46
